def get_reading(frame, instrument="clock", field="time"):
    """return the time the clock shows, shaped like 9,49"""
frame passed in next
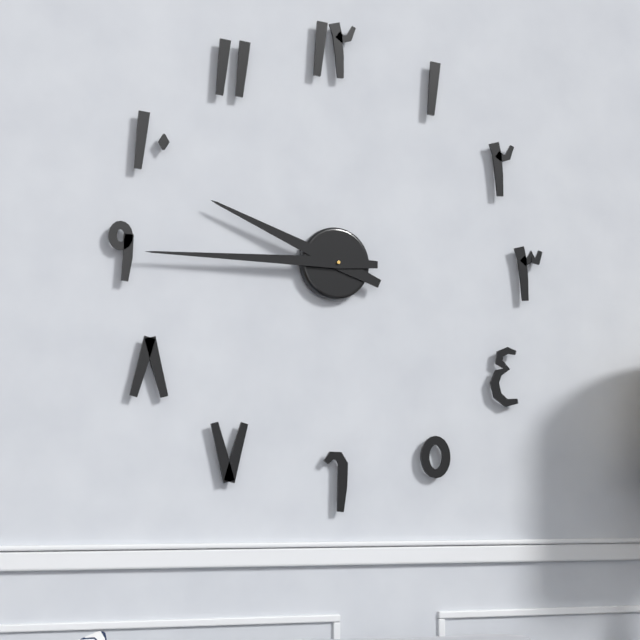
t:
9,45
